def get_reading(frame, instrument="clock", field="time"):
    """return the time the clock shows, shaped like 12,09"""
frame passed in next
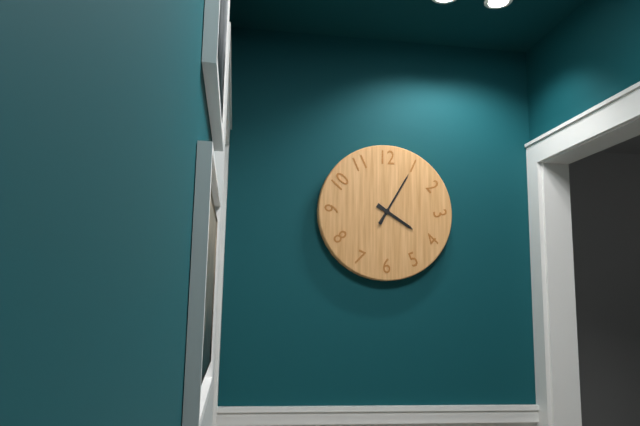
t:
4,05
